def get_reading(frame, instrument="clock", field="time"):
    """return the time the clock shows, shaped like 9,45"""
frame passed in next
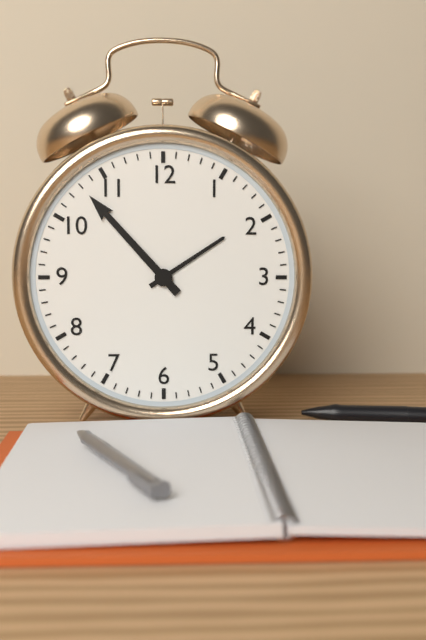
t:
1,53
